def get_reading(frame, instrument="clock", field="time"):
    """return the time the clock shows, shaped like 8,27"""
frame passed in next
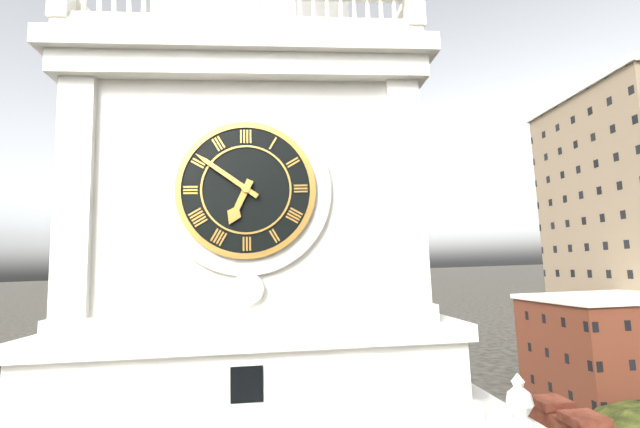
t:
6,51
